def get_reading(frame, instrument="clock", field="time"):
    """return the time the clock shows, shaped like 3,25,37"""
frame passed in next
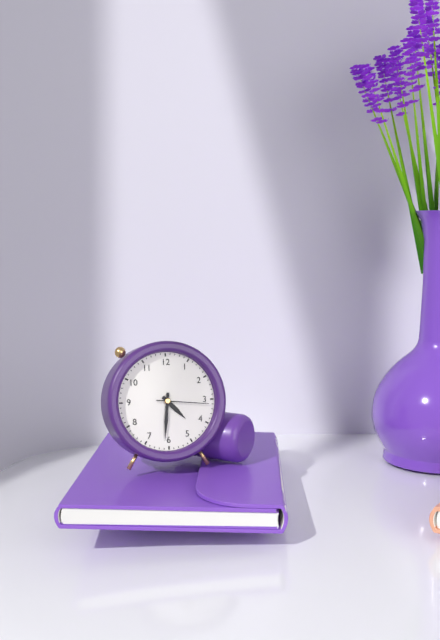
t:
4,31,16
